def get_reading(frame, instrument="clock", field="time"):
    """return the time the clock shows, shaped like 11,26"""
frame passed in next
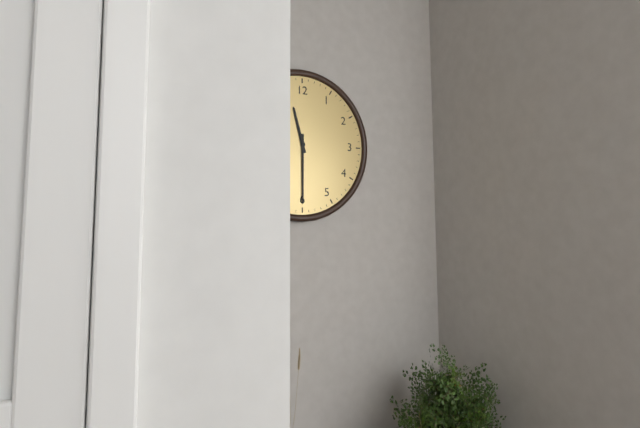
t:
11,30
